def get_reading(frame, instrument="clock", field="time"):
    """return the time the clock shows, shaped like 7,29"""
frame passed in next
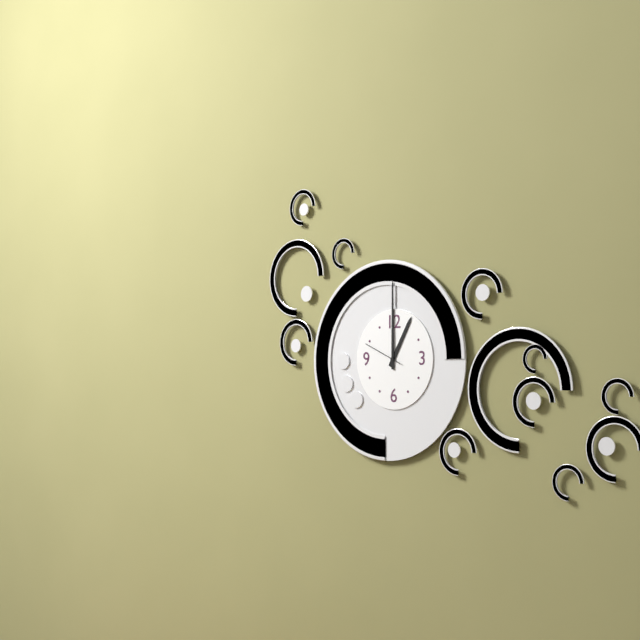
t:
1,00
